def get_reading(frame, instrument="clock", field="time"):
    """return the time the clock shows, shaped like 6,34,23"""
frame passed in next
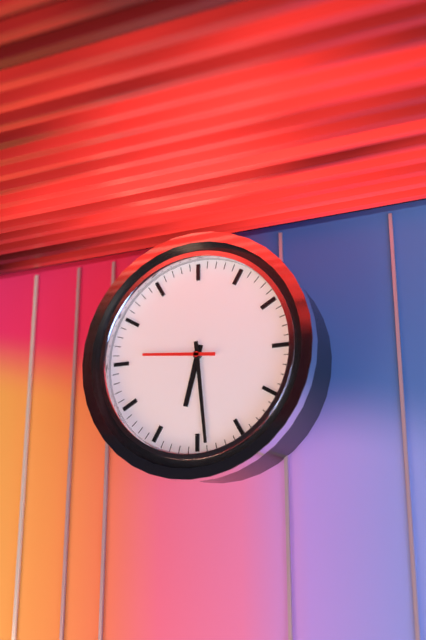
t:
6,29,46
